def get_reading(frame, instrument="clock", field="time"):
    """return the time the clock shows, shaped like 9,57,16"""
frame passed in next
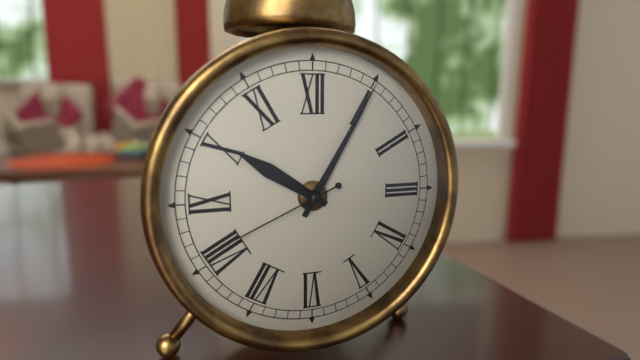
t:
10,05,41
